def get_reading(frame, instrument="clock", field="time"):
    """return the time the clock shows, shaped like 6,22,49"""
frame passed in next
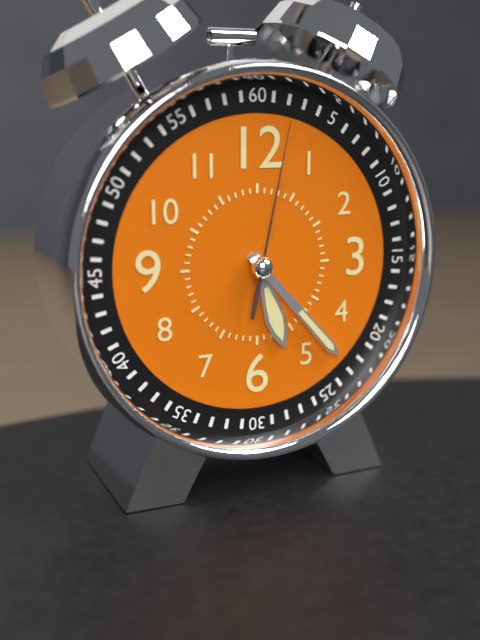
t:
5,23,02
